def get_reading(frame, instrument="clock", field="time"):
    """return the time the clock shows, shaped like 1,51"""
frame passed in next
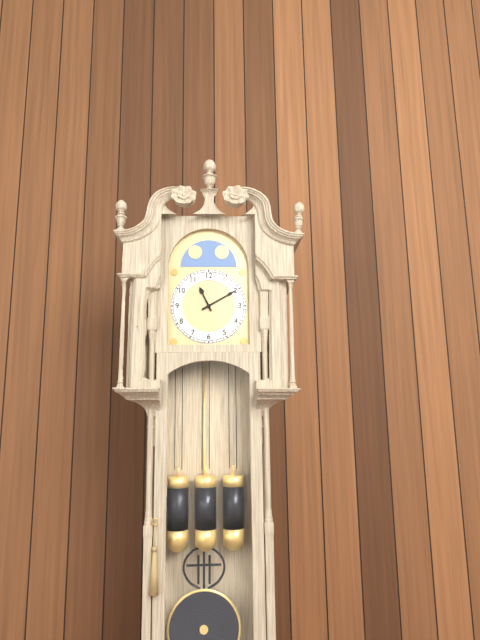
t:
11,10
